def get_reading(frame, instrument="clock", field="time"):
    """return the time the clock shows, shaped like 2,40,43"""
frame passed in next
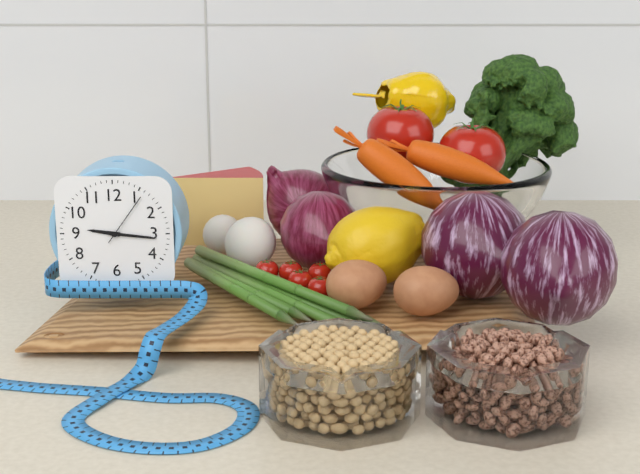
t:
9,16,06
